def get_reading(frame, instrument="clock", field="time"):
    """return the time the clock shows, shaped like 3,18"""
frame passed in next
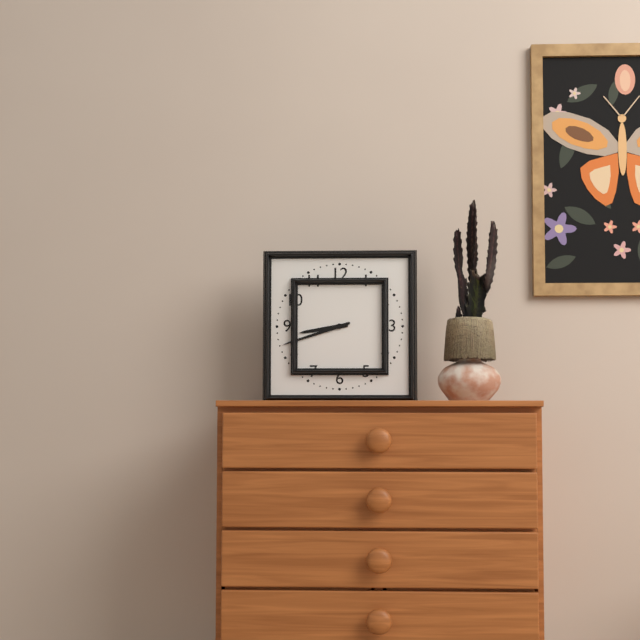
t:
8,42
